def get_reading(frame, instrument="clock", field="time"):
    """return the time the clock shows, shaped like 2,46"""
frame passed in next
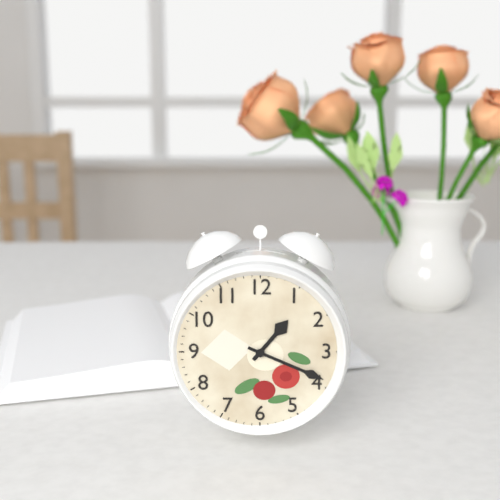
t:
1,19
